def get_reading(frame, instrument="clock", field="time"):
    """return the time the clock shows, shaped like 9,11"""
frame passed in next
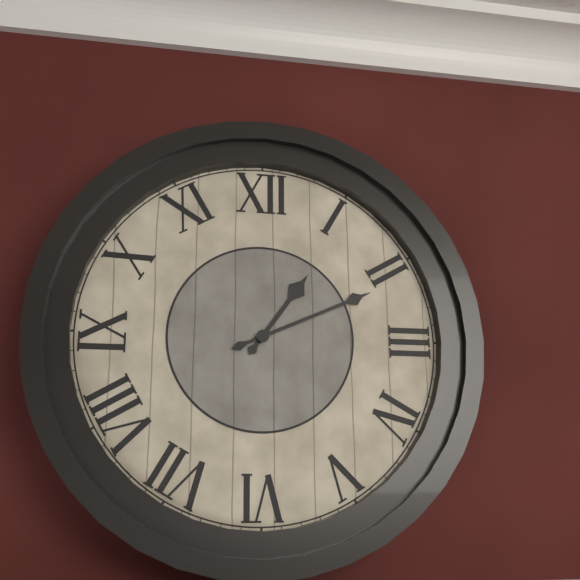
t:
1,11
